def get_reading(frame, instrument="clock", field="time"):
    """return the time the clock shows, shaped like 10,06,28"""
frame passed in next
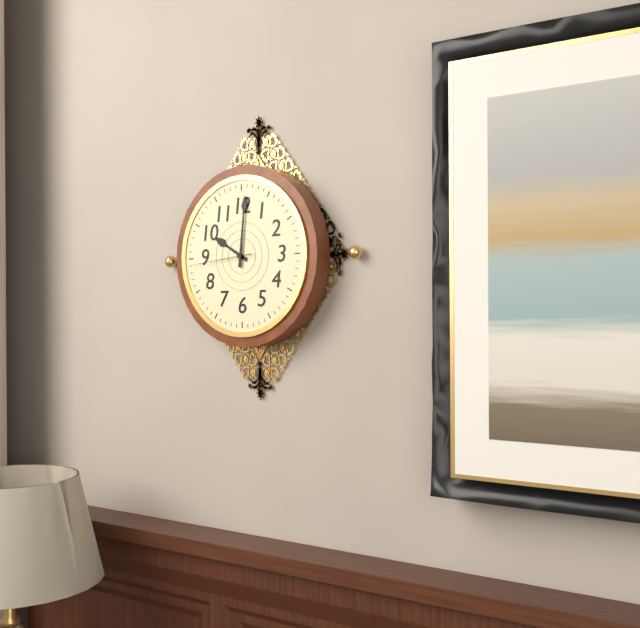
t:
10,01,44
